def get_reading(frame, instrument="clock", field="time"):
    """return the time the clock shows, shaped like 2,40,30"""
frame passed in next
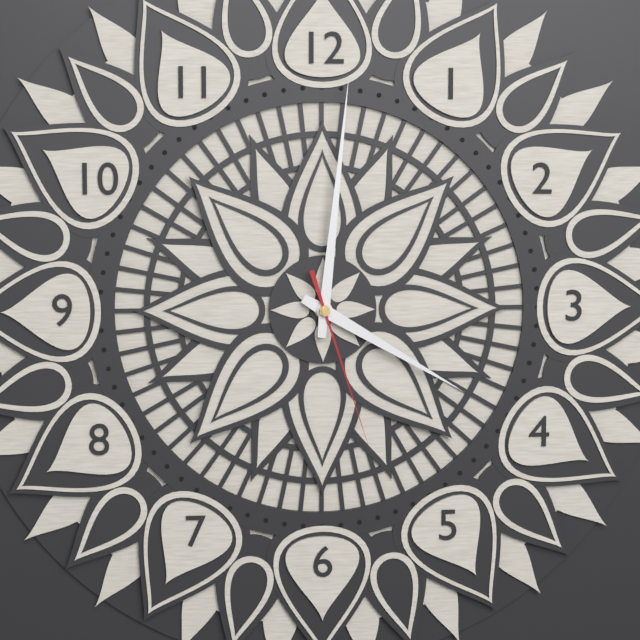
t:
4,01,27
